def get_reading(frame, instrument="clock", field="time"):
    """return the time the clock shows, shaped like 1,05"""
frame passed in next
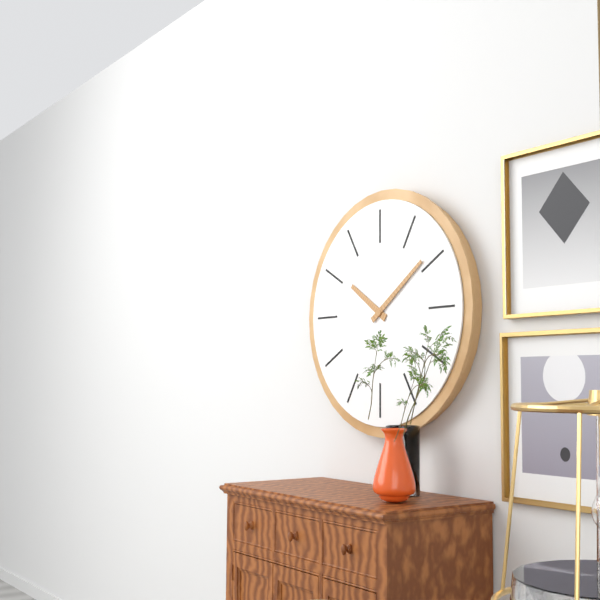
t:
10,09
